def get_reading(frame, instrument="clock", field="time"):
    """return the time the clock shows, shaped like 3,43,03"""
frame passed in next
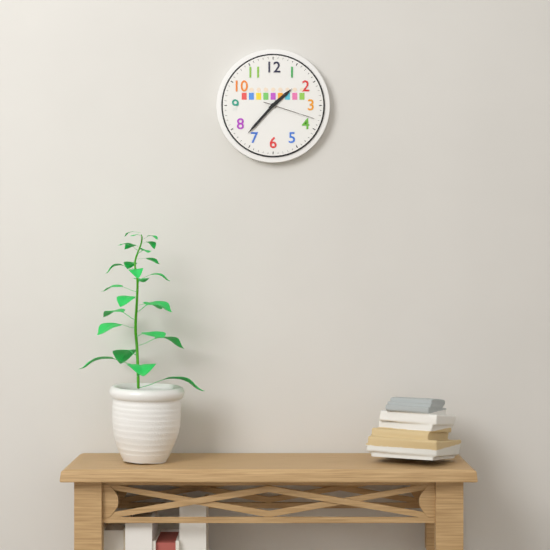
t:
1,37,18
